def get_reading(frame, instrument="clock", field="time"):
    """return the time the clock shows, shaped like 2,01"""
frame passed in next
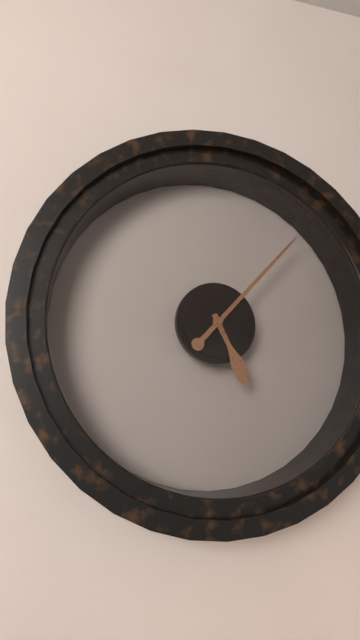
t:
5,07
